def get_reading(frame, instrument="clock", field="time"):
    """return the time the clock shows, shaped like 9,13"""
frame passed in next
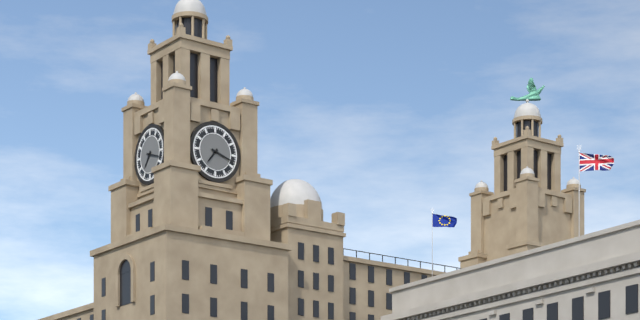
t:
7,18
